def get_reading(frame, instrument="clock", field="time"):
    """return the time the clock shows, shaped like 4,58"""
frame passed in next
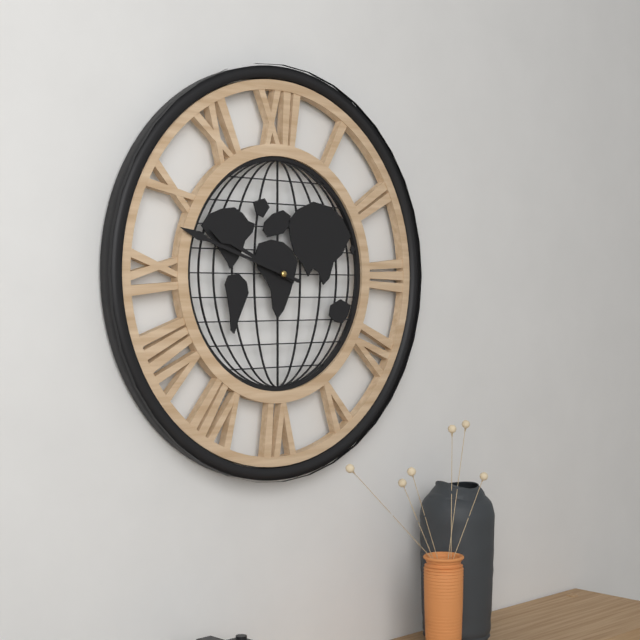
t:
9,48
